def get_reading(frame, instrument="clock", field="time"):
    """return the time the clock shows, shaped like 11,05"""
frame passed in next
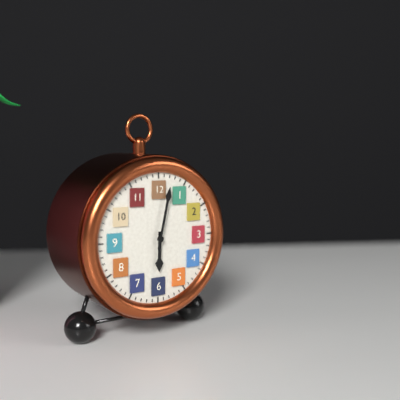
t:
6,02
